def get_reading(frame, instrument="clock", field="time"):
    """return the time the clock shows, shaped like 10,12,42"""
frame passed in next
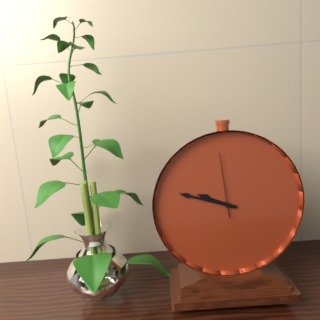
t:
9,48,59
